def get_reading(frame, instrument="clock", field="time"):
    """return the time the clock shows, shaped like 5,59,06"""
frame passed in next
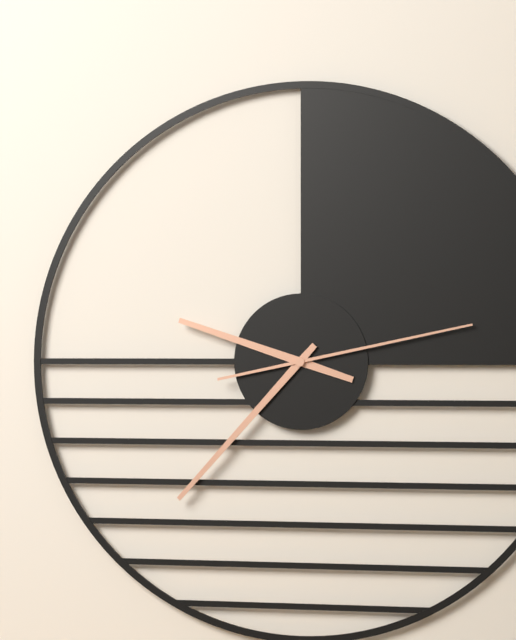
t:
9,37,13
